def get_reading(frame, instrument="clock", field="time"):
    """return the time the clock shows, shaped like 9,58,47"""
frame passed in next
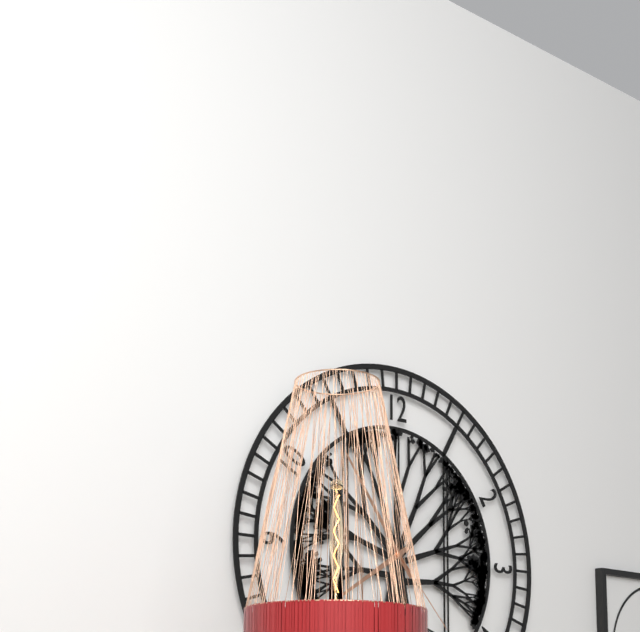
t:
7,54,23
